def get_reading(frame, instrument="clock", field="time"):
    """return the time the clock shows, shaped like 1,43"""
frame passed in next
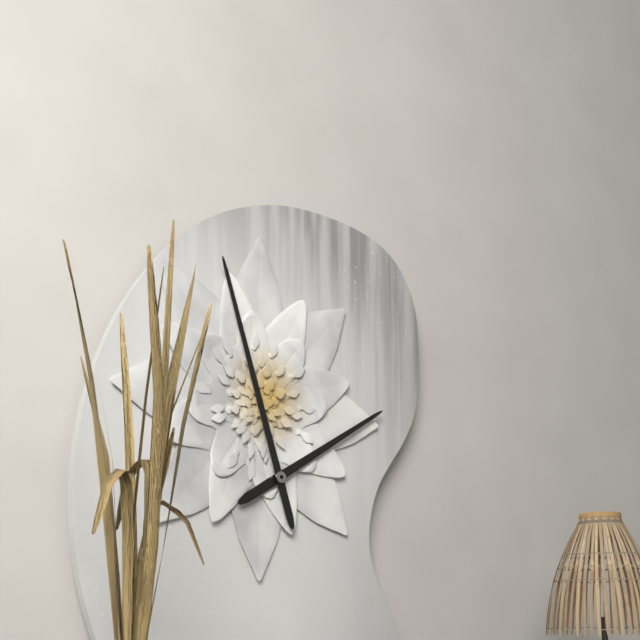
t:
1,57
